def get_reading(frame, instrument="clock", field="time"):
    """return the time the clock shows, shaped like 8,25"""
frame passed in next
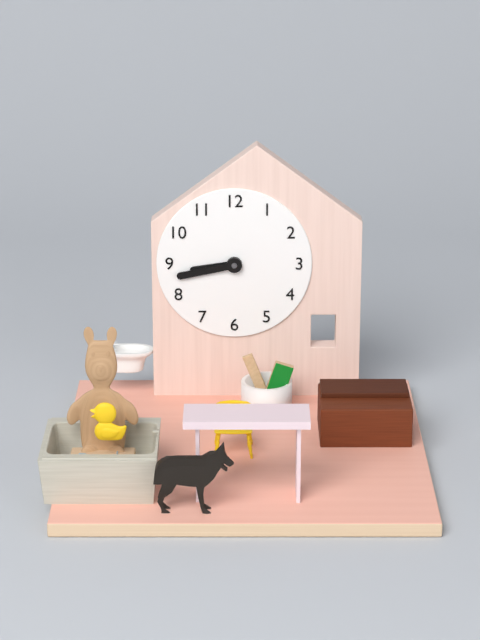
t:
8,43
